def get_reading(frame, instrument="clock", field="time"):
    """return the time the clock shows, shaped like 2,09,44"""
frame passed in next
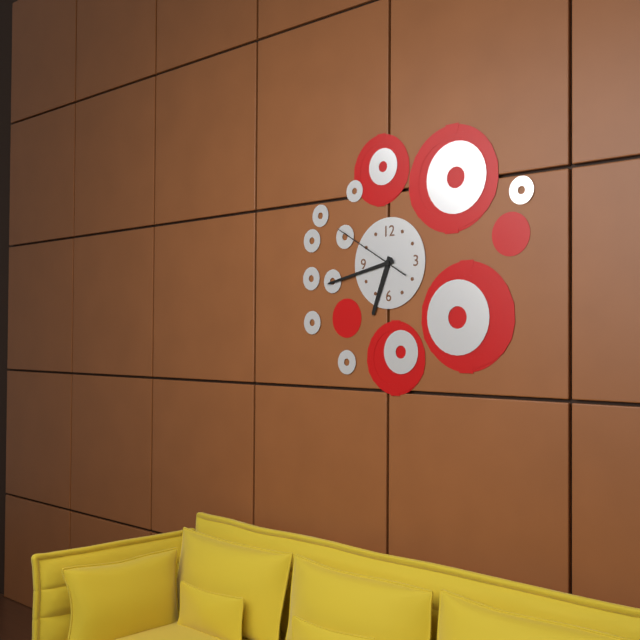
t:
6,43,50
